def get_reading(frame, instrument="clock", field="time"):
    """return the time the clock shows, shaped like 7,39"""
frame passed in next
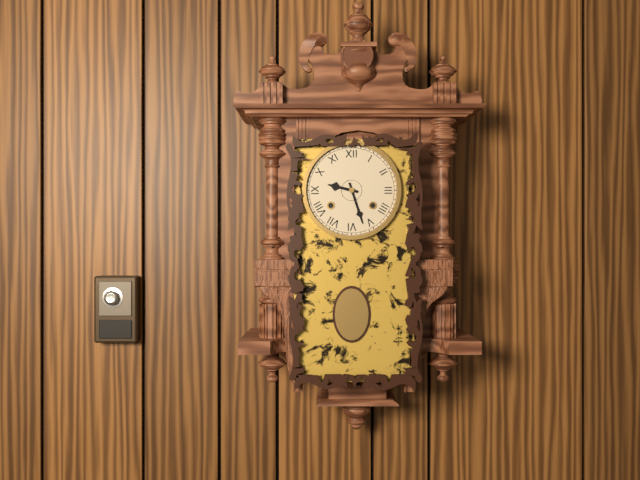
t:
9,27
